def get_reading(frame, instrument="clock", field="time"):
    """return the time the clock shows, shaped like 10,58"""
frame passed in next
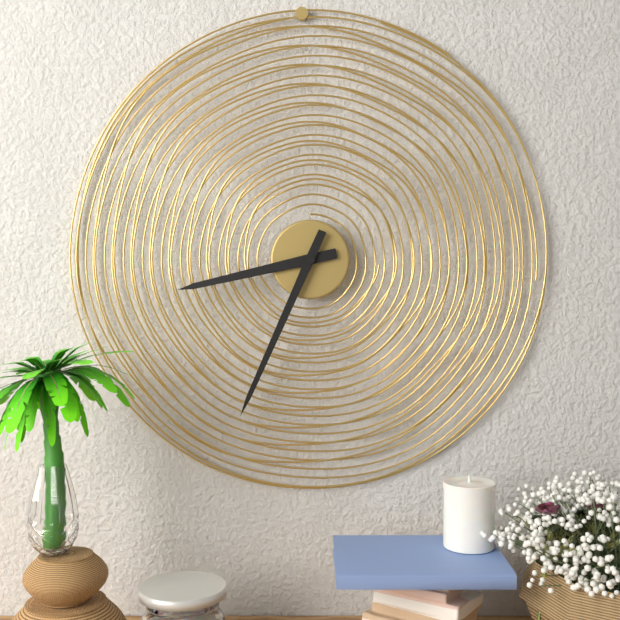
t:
8,34
